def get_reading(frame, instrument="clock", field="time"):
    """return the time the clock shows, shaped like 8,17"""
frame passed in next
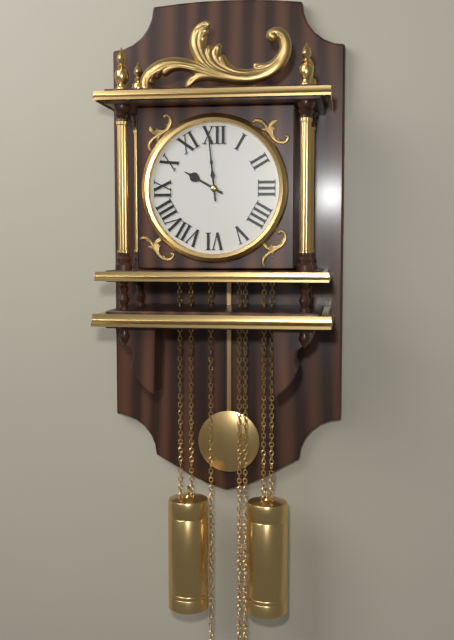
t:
9,59
